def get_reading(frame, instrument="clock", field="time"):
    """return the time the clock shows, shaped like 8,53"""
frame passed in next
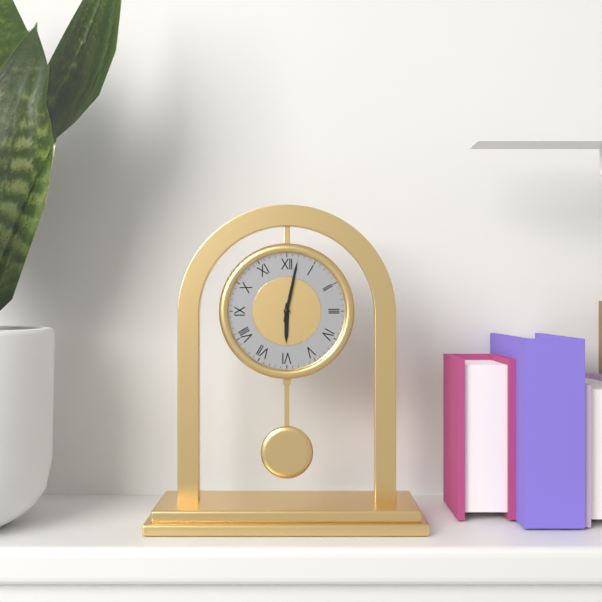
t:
6,02
